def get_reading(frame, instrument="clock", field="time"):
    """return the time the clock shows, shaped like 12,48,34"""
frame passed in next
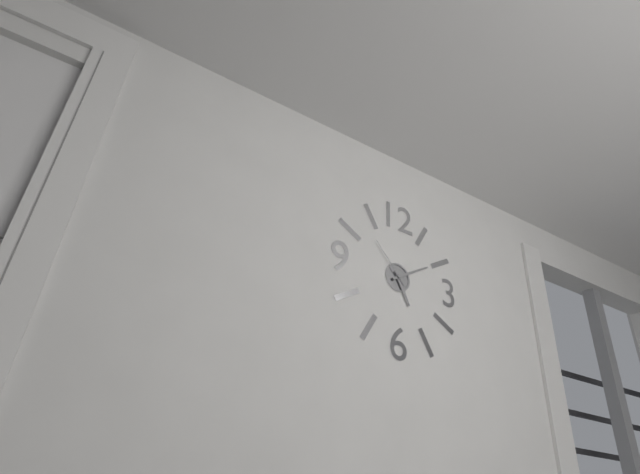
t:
5,10,53
